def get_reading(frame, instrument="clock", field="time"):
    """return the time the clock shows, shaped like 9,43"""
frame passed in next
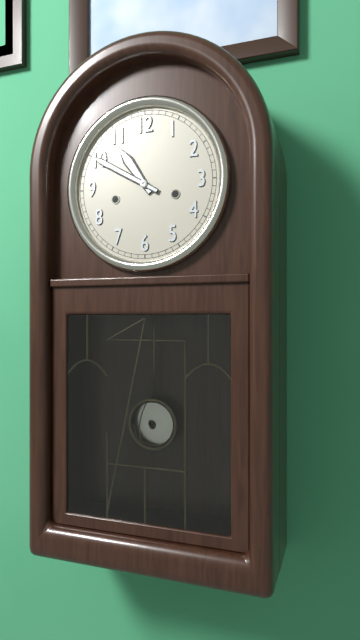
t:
10,50
